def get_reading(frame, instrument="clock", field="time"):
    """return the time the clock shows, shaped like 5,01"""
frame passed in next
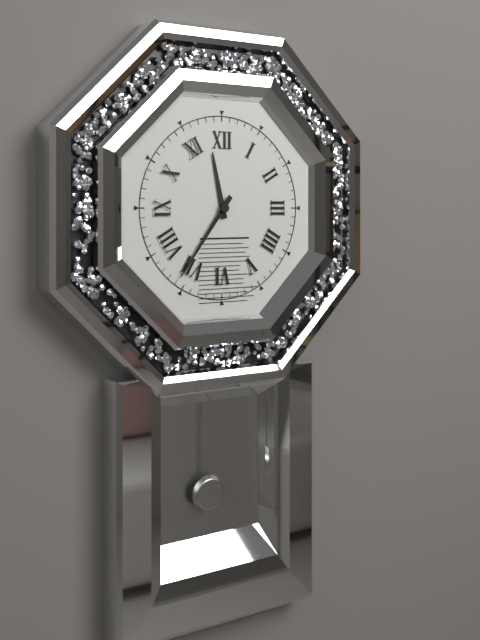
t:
11,36
